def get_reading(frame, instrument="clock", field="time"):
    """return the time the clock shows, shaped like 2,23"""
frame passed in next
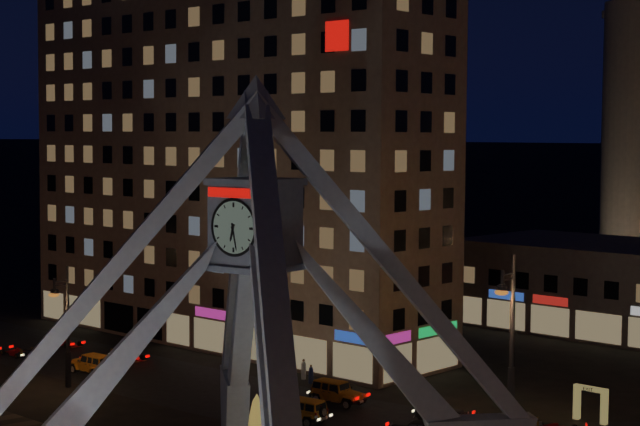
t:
6,28
